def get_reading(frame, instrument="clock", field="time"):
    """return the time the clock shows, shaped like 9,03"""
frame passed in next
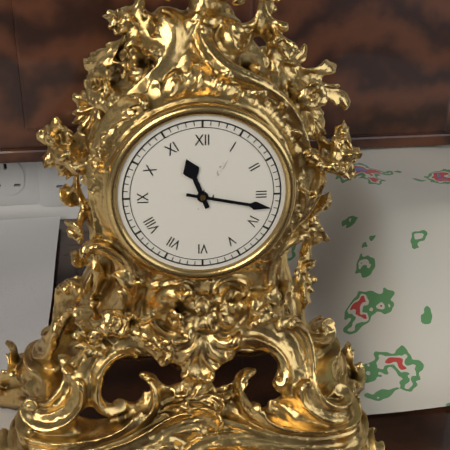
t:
11,17
